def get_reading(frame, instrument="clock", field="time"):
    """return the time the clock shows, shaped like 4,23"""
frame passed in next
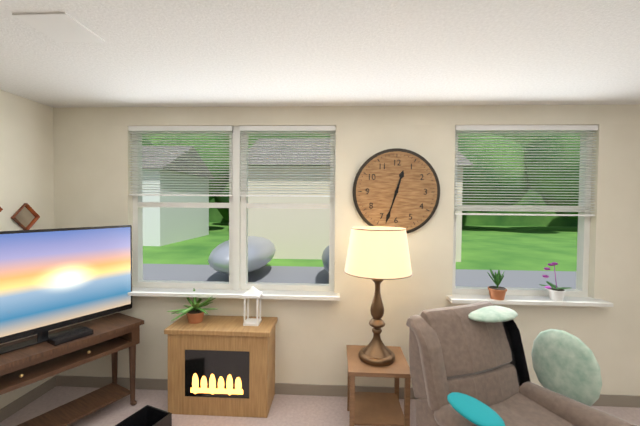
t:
12,33
